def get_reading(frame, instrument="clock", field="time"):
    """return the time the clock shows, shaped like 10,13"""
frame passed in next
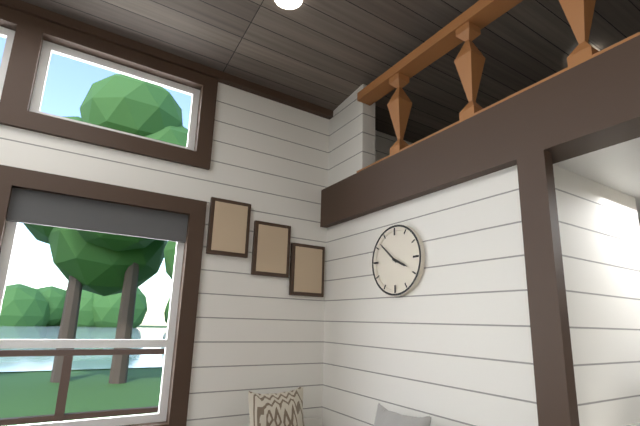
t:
3,52
